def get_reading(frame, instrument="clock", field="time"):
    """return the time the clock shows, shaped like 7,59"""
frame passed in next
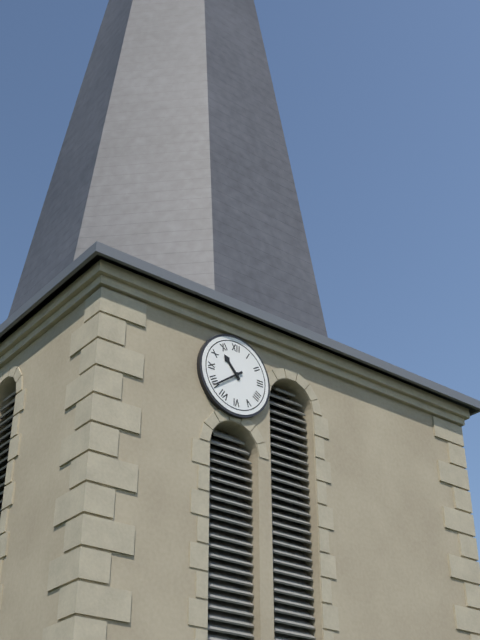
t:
10,39
